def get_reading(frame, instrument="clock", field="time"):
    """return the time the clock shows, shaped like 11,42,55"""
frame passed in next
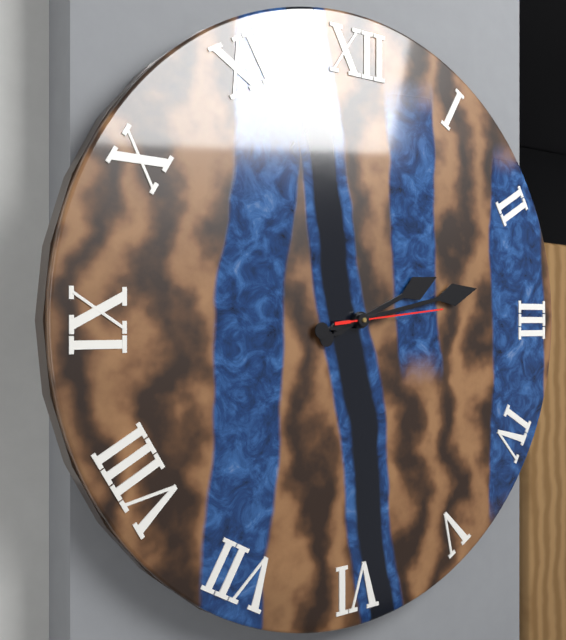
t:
2,13,14
